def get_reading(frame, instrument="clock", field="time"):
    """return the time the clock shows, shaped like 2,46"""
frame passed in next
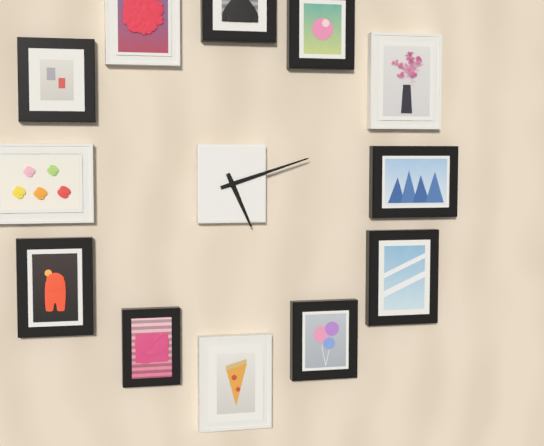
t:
5,12
